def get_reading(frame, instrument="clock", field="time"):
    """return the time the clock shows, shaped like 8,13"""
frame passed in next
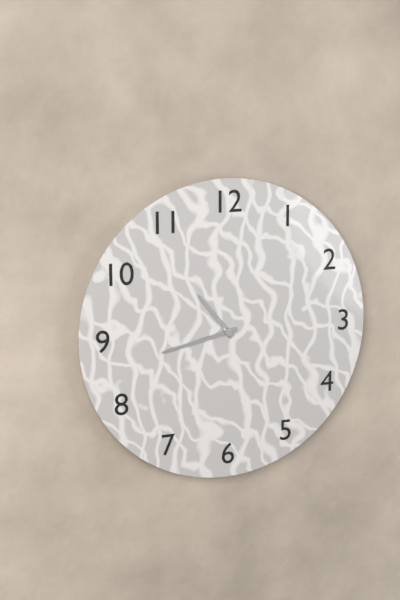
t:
10,43
